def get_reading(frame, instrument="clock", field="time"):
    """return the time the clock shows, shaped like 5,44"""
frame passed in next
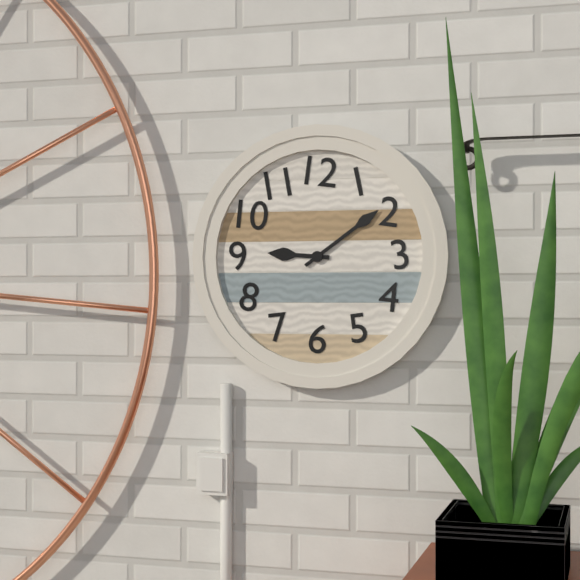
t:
9,09
